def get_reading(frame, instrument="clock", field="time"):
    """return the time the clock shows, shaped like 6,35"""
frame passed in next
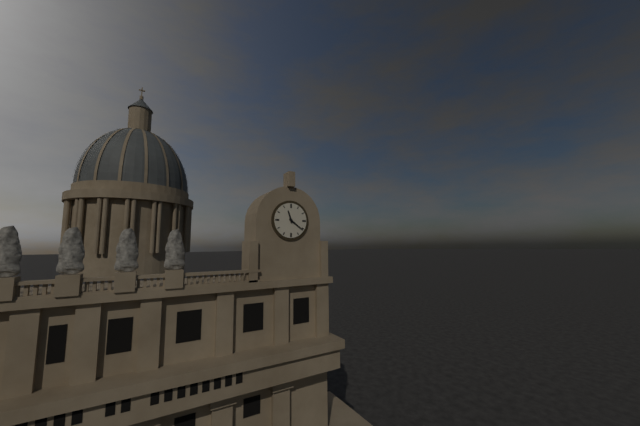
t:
11,21
